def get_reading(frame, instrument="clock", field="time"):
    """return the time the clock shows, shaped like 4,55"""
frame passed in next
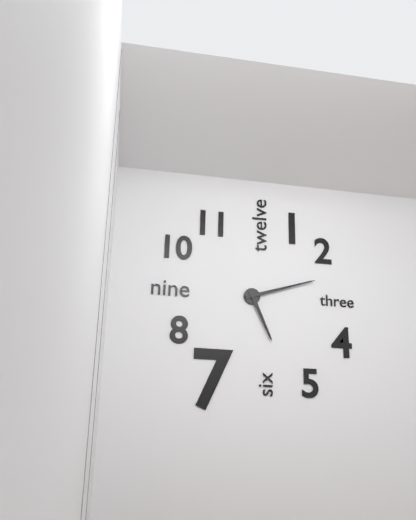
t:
5,12
